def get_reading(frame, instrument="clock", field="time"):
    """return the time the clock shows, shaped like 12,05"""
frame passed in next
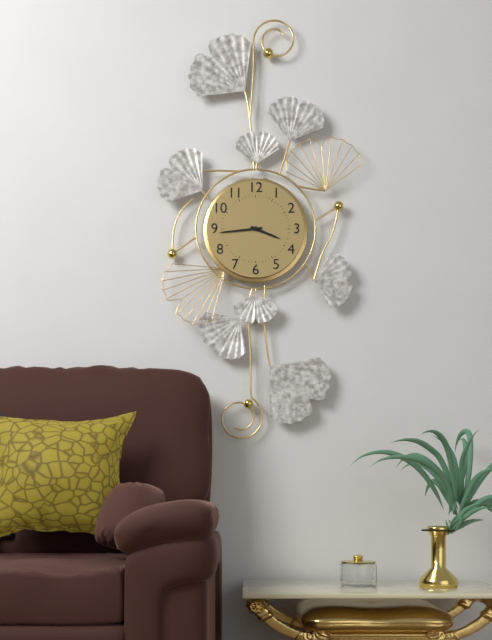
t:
3,44
